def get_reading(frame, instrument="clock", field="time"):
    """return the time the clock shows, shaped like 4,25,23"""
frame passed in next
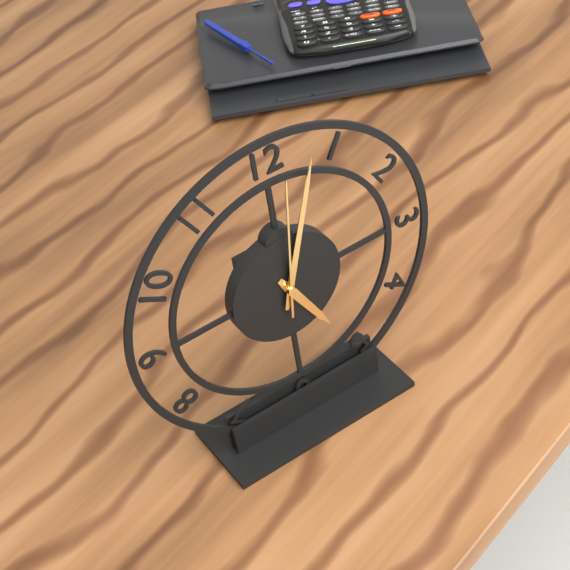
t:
5,03,01
